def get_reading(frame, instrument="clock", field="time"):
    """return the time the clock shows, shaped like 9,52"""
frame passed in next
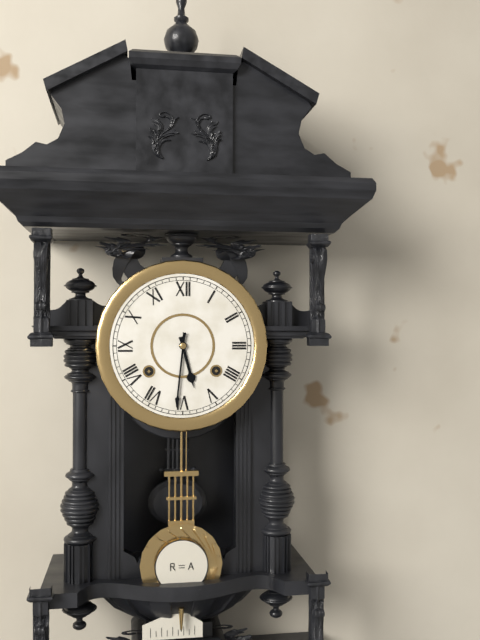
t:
5,31
